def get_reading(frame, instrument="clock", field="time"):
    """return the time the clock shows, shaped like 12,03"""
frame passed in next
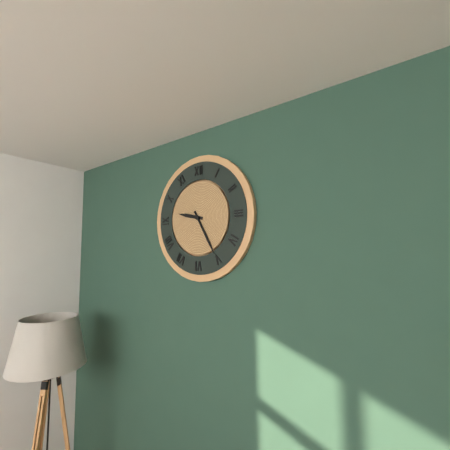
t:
9,25
